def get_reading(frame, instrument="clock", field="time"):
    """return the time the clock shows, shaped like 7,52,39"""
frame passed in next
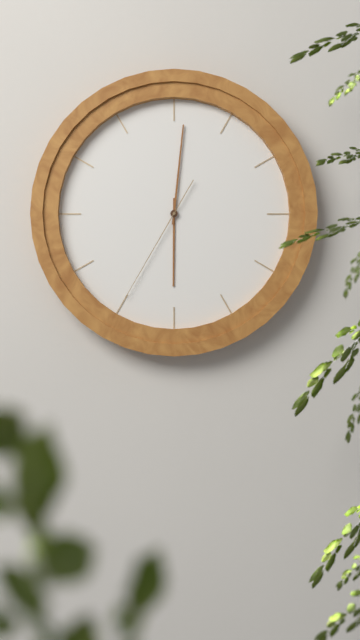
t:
6,01,35
